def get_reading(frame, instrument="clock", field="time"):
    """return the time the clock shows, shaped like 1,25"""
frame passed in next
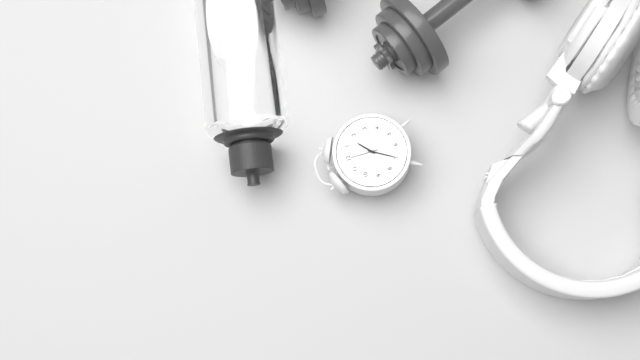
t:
1,35
